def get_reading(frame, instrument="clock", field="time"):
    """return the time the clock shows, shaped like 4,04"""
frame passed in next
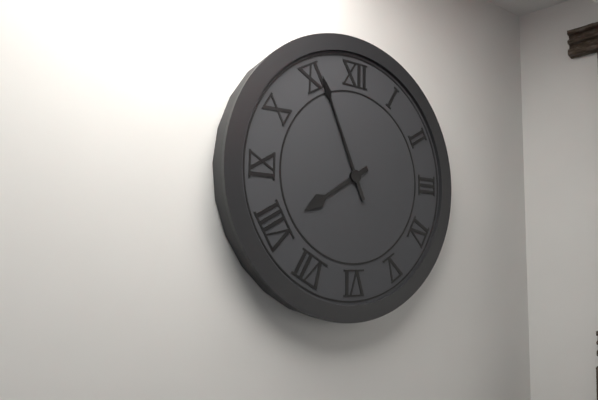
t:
7,56
